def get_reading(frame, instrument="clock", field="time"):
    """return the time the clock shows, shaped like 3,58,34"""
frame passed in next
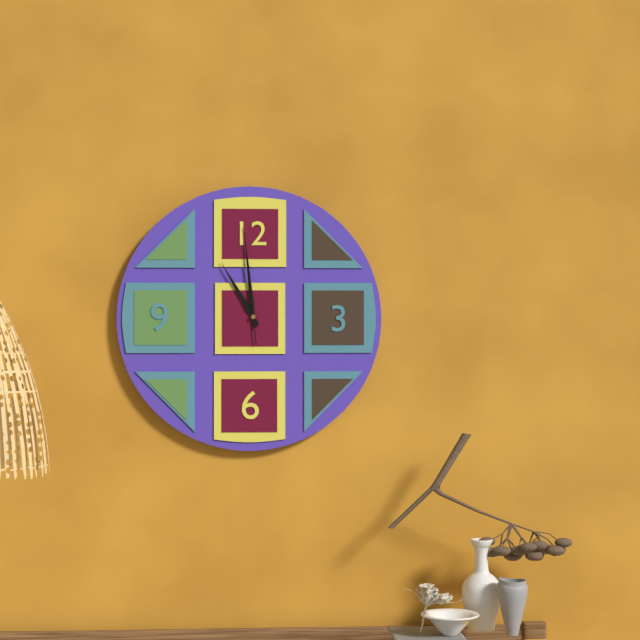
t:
10,59,59
